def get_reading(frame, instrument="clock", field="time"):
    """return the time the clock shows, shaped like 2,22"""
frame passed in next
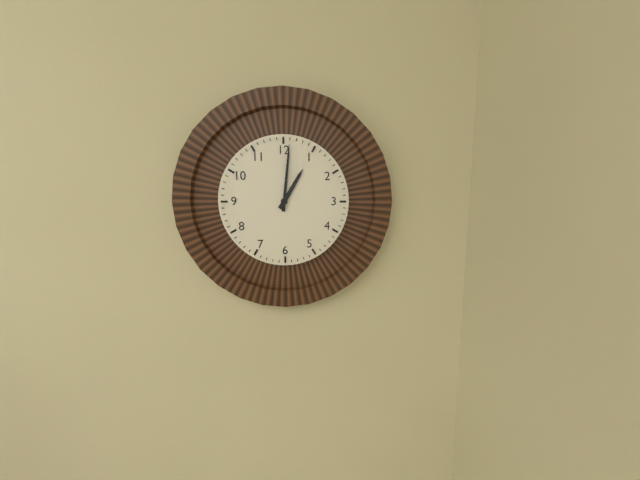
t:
1,01
